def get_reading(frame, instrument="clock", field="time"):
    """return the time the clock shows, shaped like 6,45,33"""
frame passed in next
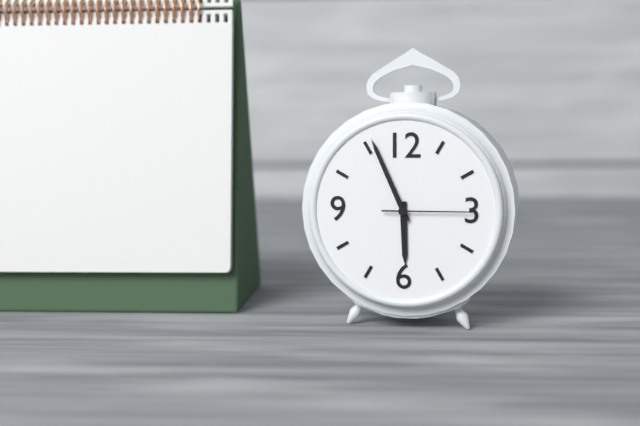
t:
5,56,15
